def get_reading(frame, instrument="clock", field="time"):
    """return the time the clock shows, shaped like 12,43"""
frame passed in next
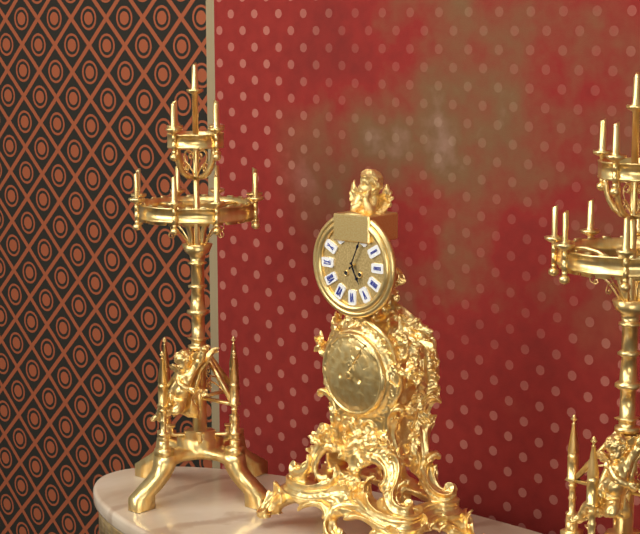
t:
5,04
